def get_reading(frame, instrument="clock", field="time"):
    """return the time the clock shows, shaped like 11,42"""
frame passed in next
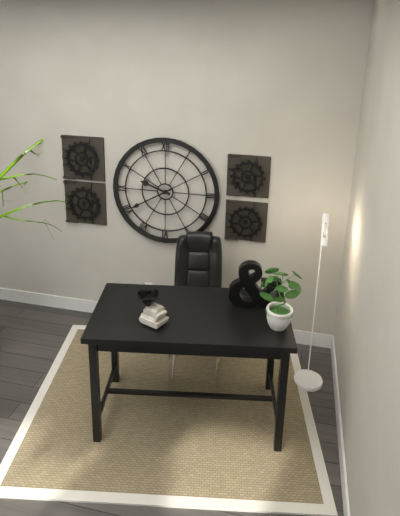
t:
9,40
